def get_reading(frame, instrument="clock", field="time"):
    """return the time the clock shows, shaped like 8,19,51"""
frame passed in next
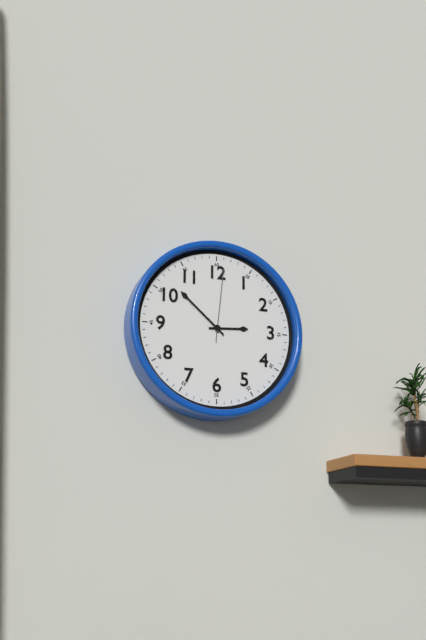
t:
2,52,01
